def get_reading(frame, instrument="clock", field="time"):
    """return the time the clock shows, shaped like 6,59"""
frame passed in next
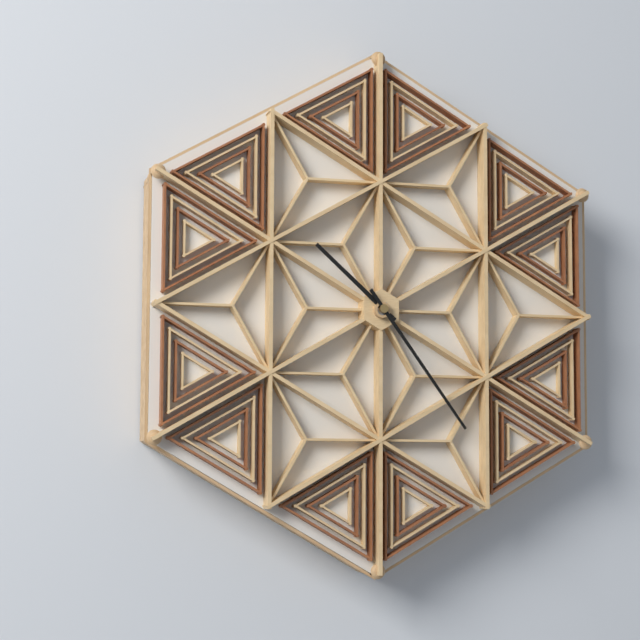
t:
10,24
